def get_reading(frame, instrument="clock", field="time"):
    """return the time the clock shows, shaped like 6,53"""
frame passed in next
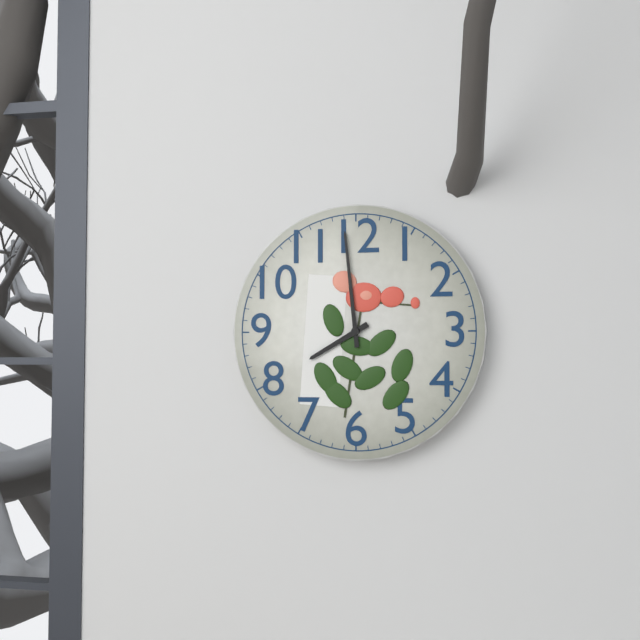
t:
7,59
